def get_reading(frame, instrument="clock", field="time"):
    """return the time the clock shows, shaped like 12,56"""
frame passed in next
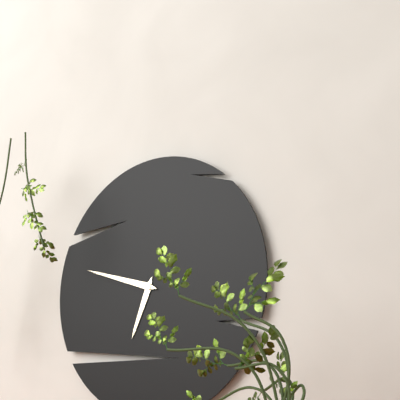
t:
6,48
